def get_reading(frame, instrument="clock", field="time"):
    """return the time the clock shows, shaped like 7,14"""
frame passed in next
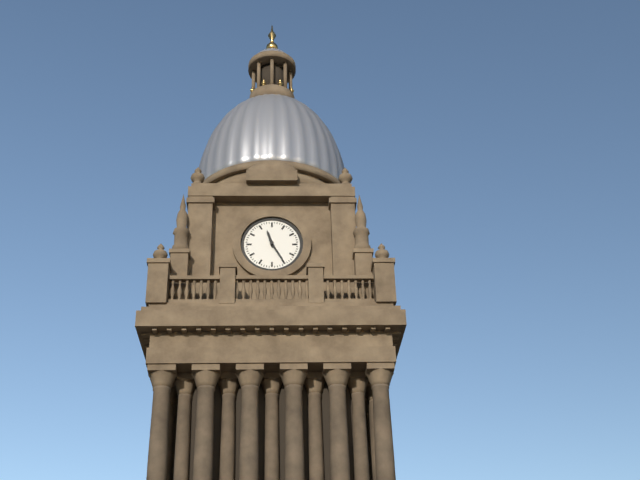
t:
11,25
